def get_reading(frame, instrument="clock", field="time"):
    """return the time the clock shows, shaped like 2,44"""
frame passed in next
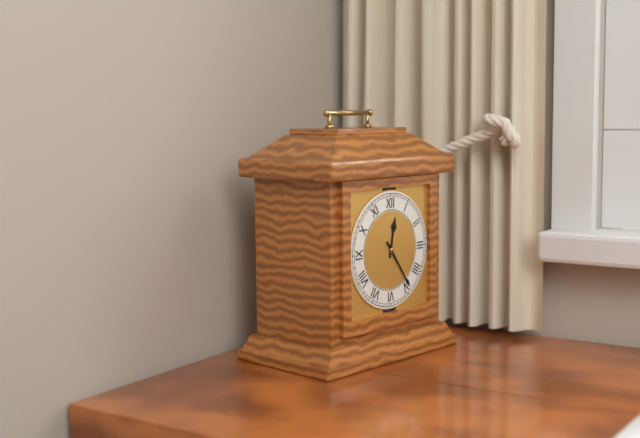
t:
12,24
